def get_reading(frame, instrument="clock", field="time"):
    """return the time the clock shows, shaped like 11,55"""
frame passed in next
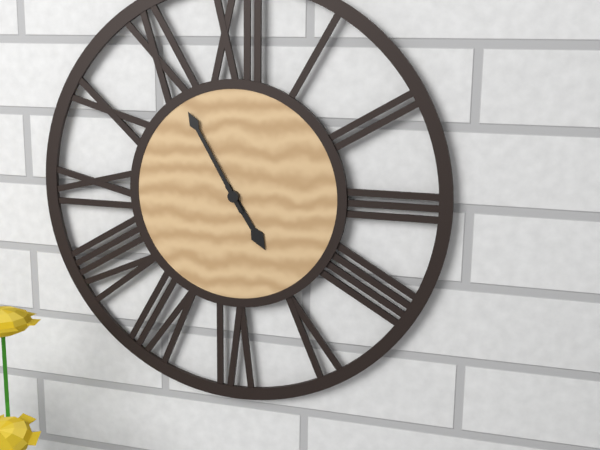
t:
4,55
